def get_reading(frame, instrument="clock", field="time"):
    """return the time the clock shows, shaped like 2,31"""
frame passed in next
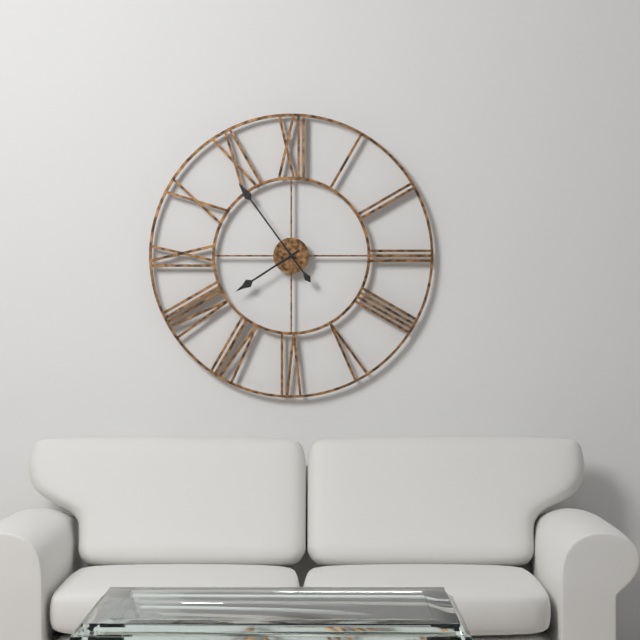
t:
7,54
